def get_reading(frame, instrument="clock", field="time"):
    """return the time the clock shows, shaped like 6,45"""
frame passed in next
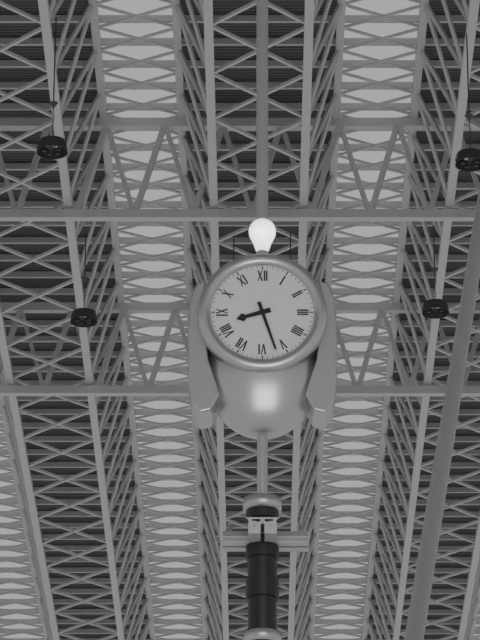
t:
8,27
